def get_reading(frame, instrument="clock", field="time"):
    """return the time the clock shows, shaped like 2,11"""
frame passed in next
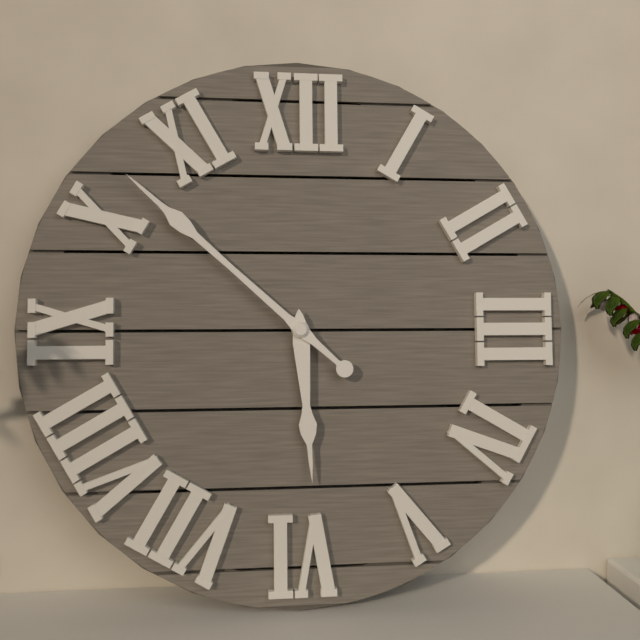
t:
5,52
